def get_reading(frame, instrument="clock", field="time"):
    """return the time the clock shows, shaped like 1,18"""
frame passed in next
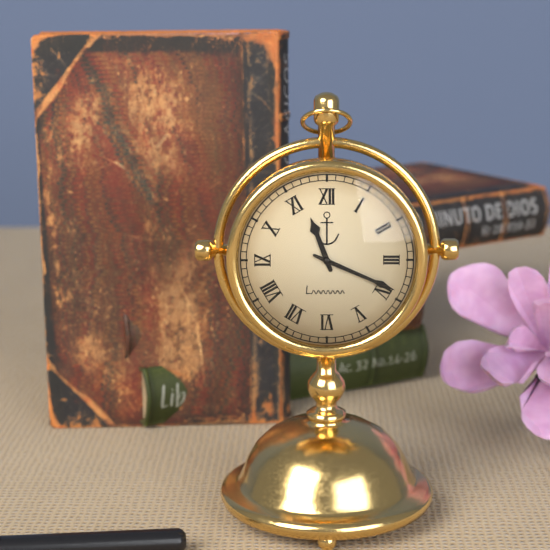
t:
11,19
